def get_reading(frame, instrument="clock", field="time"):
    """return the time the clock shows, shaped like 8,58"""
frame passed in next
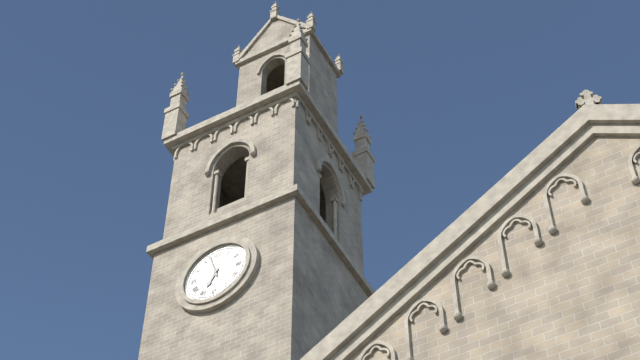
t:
6,57
